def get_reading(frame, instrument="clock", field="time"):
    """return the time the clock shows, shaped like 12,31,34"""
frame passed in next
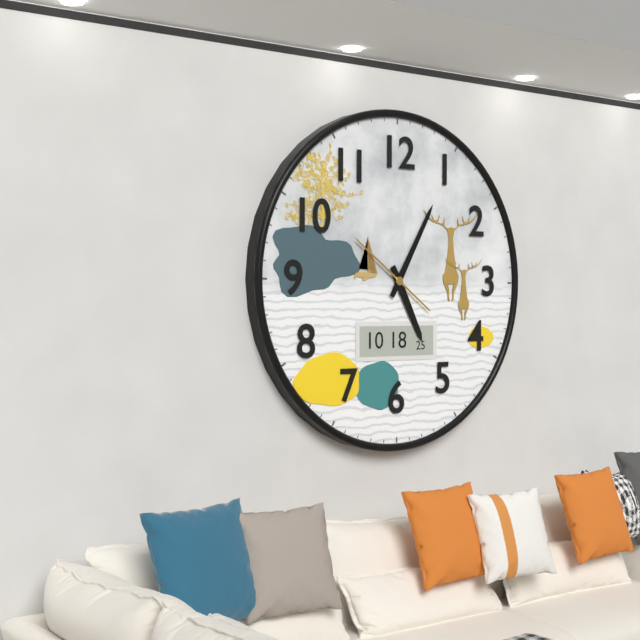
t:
5,05,51
